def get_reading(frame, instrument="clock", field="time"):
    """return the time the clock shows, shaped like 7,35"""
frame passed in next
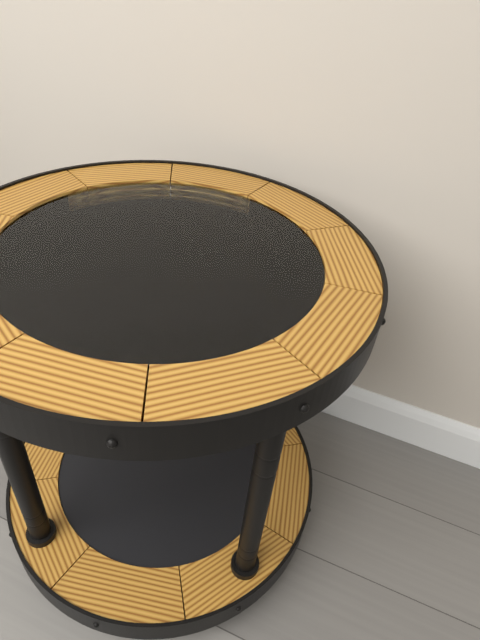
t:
12,51
